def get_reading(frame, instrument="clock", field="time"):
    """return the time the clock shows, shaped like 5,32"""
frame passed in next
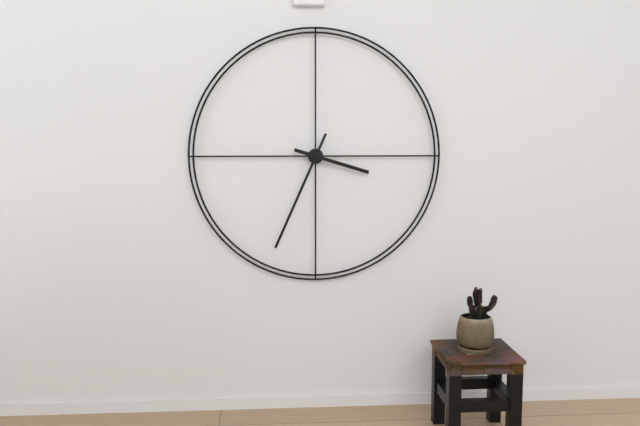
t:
3,34
